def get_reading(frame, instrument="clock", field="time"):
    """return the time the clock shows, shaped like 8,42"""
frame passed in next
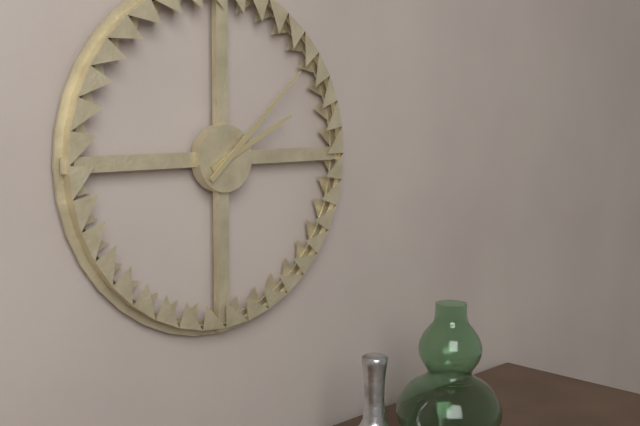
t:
2,08
